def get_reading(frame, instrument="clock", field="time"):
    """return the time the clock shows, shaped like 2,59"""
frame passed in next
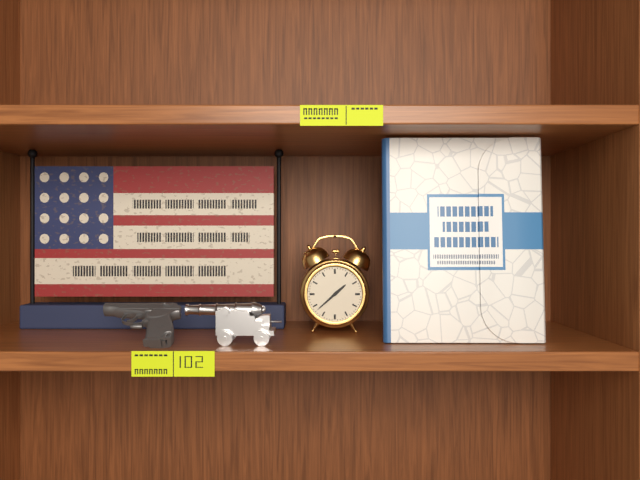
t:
1,38
